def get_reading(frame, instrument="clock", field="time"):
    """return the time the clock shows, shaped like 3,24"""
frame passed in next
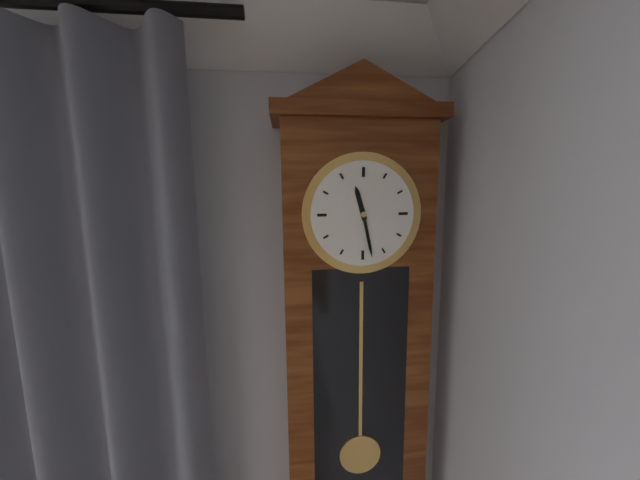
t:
11,28
